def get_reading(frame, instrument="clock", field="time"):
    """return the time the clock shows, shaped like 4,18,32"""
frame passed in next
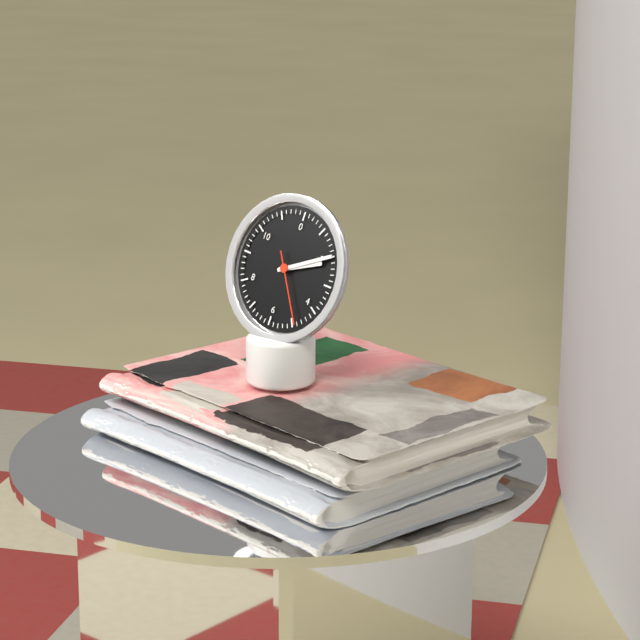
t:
2,10,24
